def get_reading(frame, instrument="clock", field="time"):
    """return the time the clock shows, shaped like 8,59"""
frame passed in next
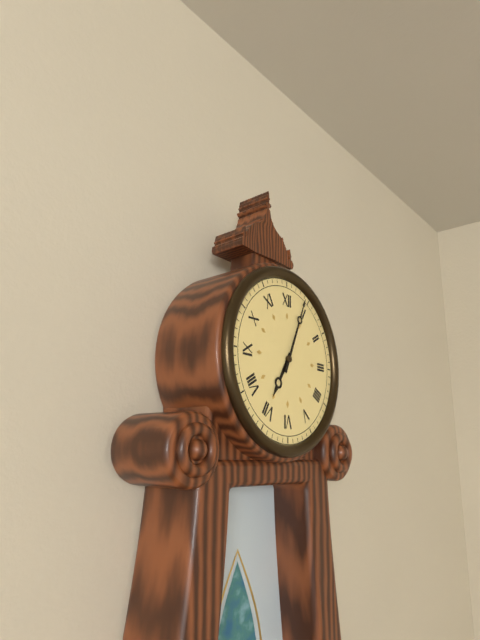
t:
7,04
